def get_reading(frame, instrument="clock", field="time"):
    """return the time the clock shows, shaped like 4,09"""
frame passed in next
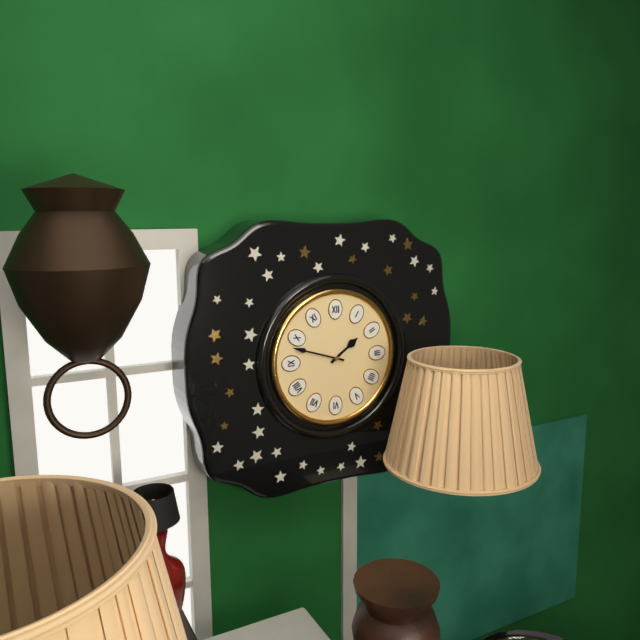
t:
1,48
